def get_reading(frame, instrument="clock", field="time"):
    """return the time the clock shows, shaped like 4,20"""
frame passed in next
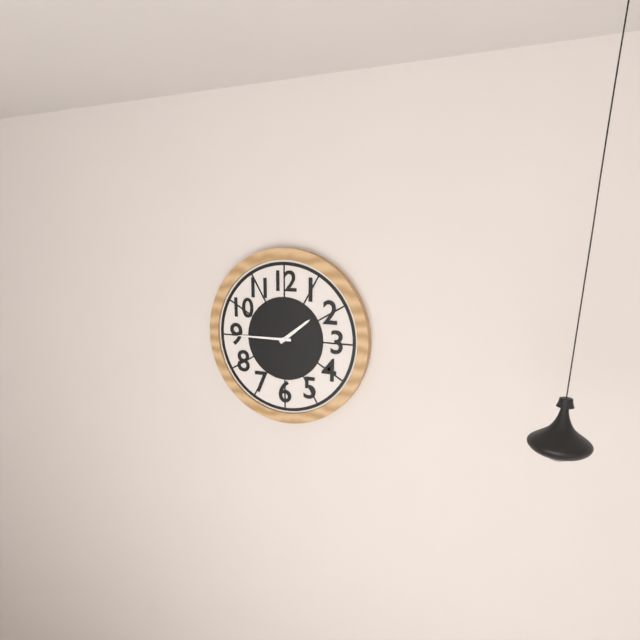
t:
1,45
